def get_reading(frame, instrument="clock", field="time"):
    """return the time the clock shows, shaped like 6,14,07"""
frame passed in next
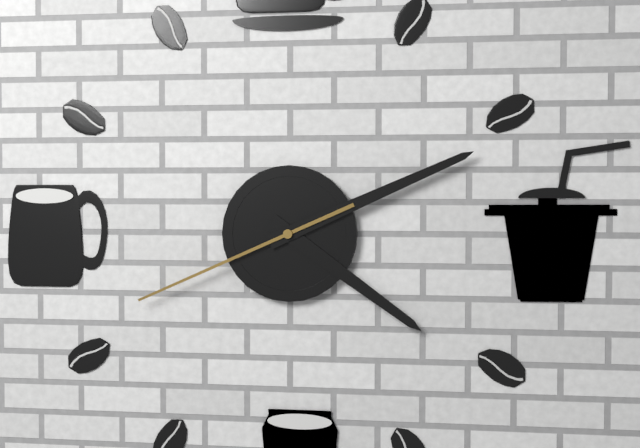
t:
4,11,41
